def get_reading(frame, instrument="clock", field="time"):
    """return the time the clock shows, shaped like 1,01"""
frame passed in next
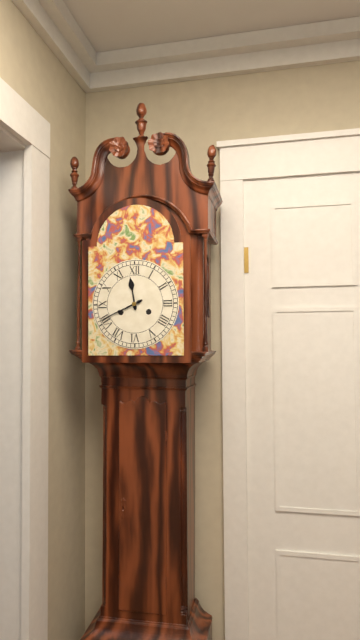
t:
11,41
